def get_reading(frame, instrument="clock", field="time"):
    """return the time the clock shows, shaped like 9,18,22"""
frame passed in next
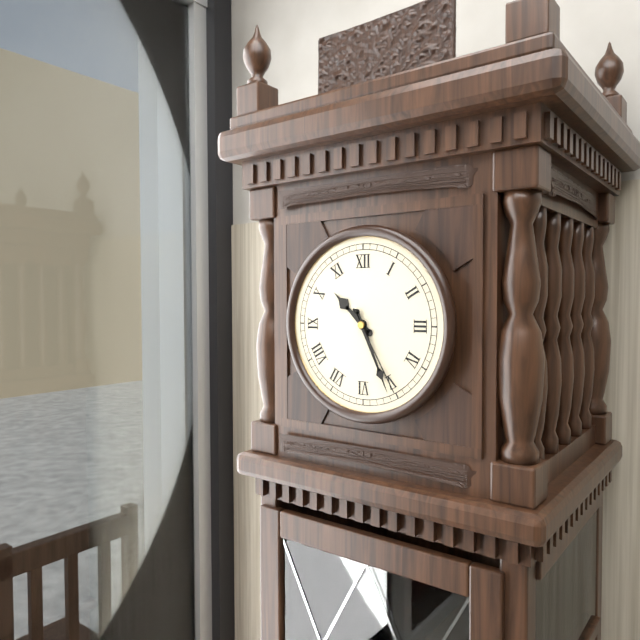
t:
10,26,25
